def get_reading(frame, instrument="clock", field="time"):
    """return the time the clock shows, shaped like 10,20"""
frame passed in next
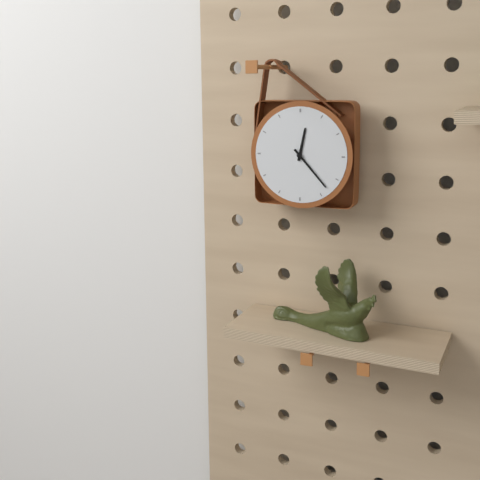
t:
12,23
